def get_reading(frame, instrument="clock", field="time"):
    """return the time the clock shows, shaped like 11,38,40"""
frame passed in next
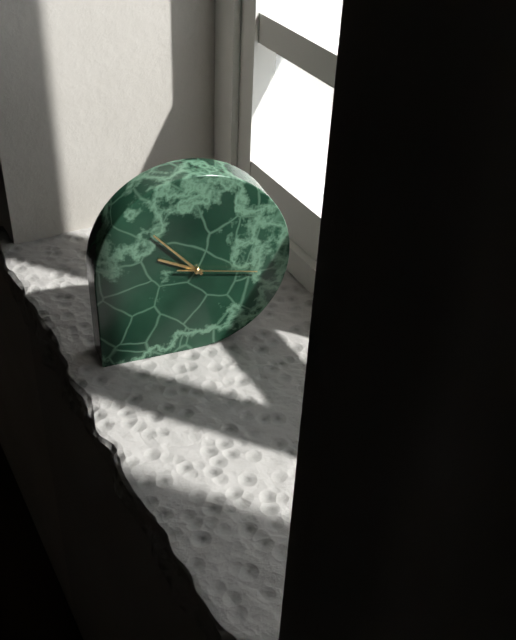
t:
9,53,17
